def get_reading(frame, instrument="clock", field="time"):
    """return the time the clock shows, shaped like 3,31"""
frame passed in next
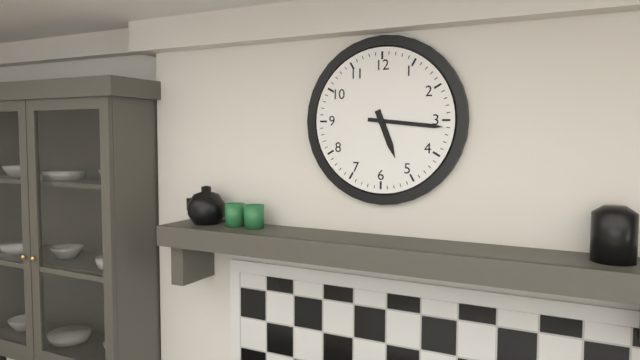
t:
5,16
